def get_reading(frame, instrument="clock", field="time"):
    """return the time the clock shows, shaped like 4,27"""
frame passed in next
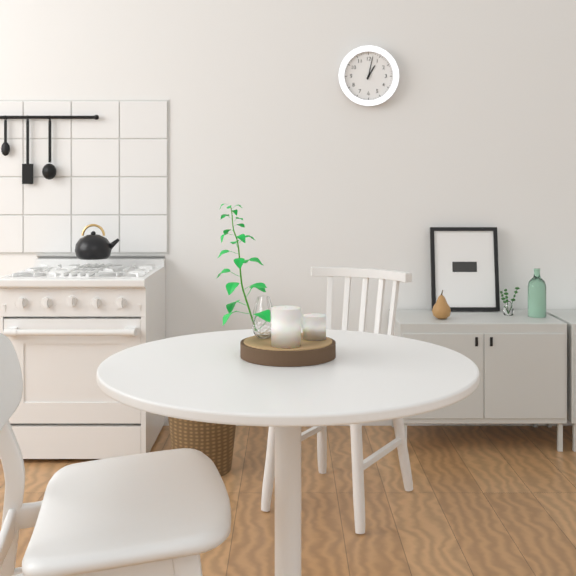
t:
1,02
